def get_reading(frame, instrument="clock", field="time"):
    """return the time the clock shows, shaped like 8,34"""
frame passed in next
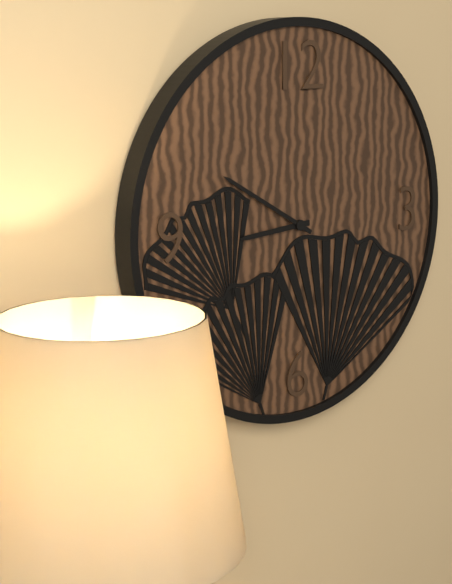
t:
8,50
